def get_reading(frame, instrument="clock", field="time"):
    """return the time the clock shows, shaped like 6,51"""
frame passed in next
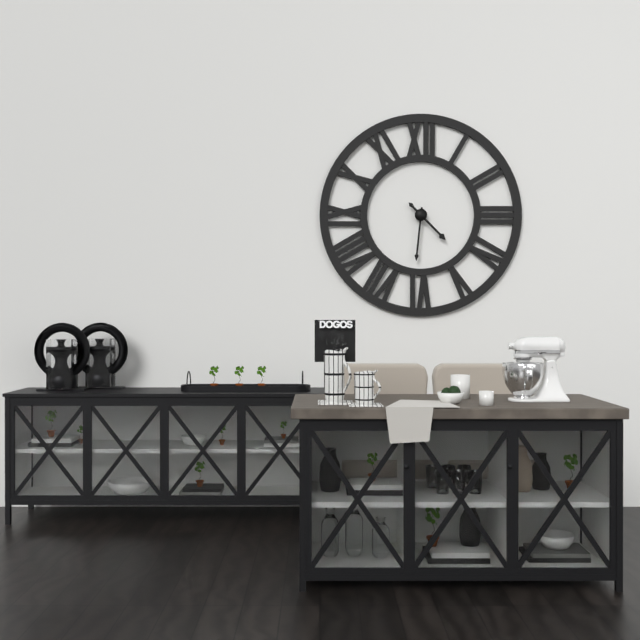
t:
4,31
